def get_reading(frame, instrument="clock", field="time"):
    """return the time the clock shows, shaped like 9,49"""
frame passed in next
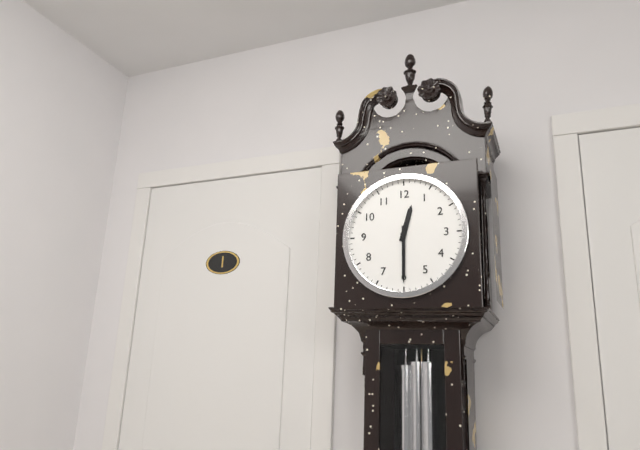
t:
12,30
